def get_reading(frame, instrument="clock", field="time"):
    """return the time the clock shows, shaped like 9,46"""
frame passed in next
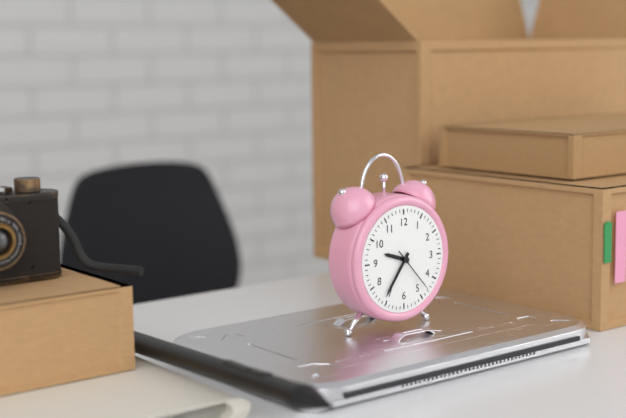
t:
9,36
